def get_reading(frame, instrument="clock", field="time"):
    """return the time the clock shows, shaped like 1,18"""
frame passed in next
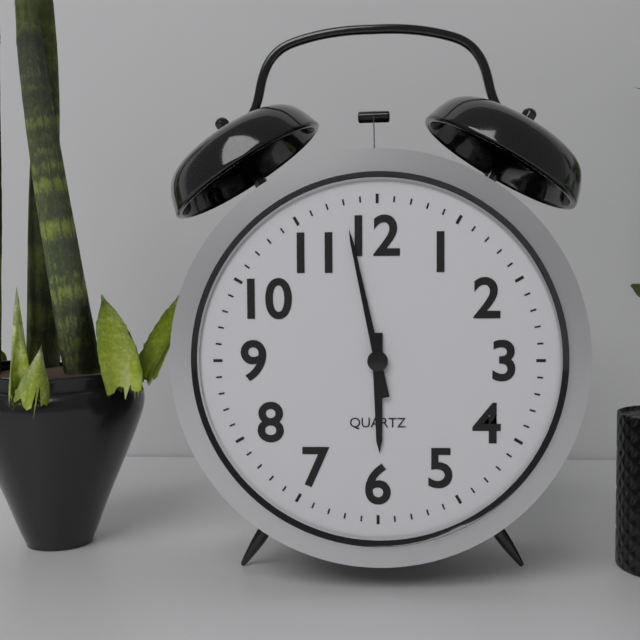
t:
5,58
